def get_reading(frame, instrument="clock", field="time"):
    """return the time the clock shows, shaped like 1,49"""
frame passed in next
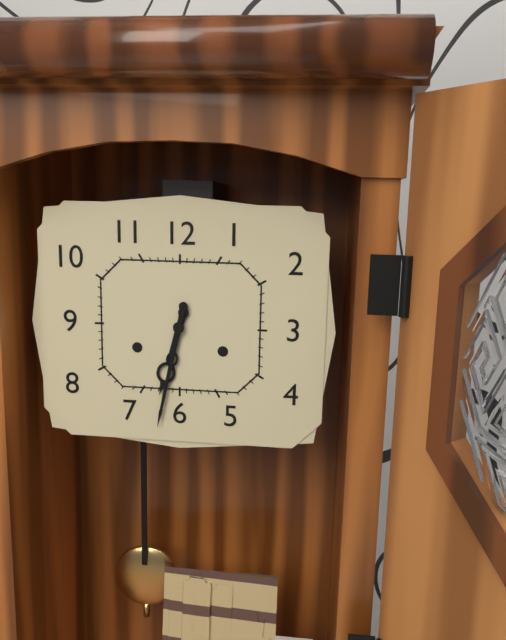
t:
6,32
